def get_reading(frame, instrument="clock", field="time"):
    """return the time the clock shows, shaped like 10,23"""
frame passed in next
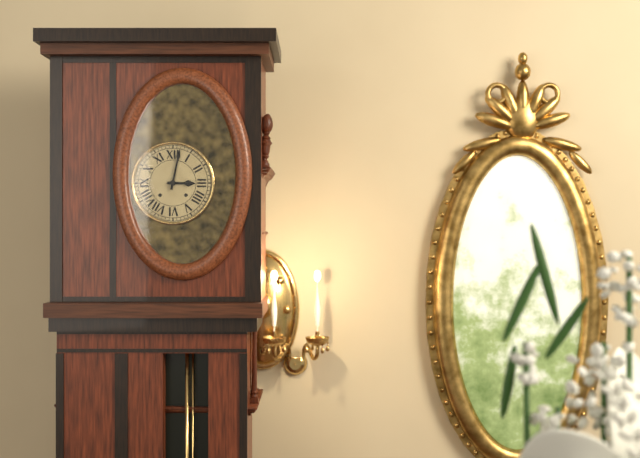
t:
3,02
